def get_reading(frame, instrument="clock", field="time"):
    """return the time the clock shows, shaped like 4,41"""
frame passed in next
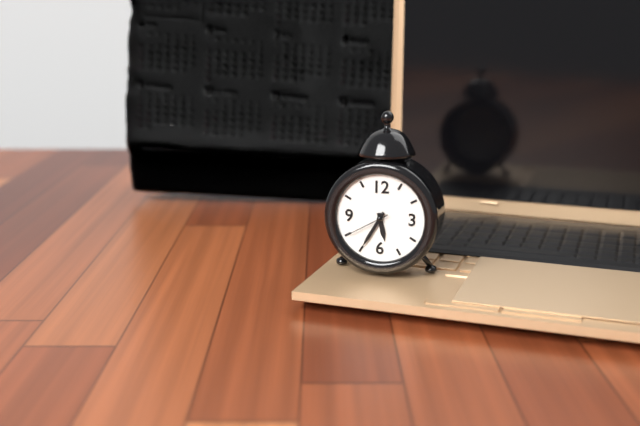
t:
5,35
